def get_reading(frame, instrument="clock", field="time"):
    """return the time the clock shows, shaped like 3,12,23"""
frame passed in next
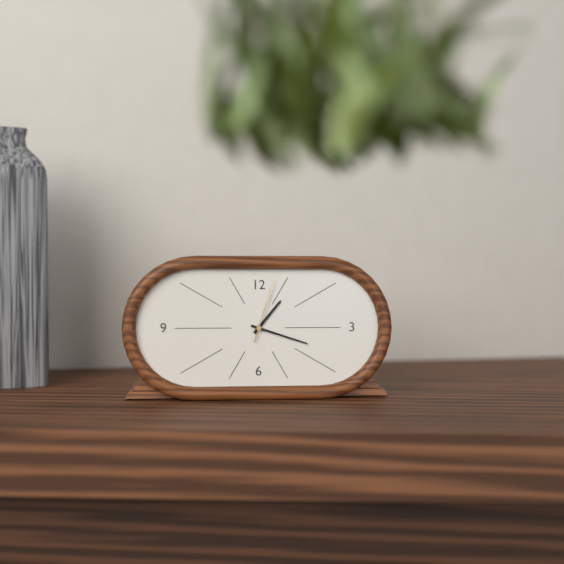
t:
1,18,03
